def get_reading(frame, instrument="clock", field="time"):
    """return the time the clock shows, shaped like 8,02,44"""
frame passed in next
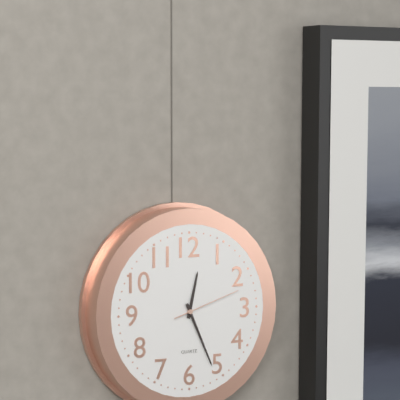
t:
12,26,12
